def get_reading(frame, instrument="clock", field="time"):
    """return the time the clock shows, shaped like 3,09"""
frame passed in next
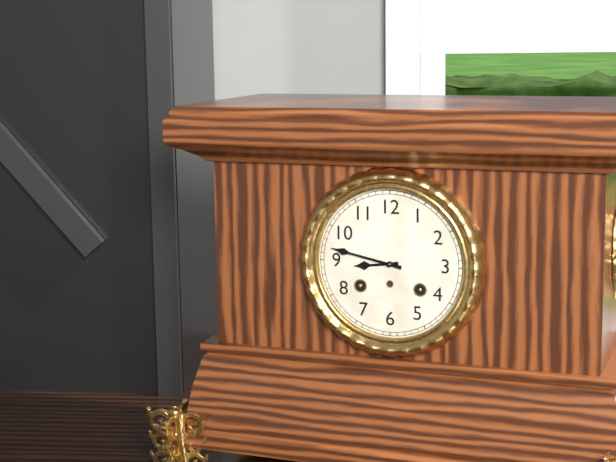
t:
8,47
